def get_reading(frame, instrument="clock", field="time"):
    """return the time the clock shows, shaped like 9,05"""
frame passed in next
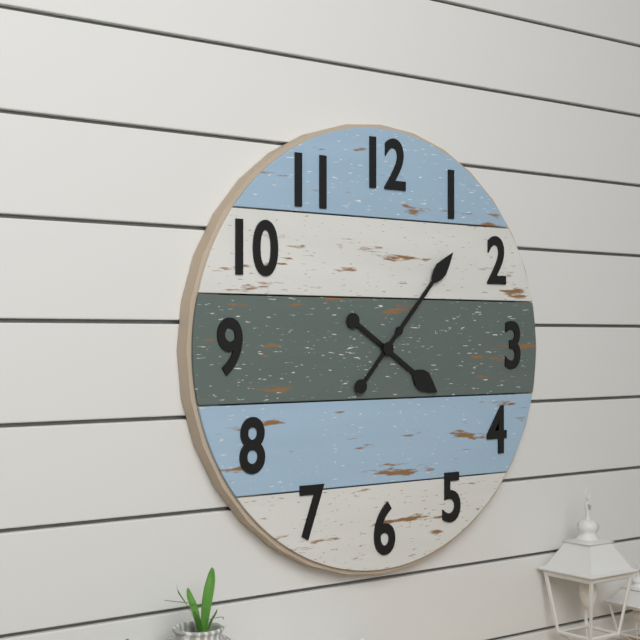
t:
4,07
